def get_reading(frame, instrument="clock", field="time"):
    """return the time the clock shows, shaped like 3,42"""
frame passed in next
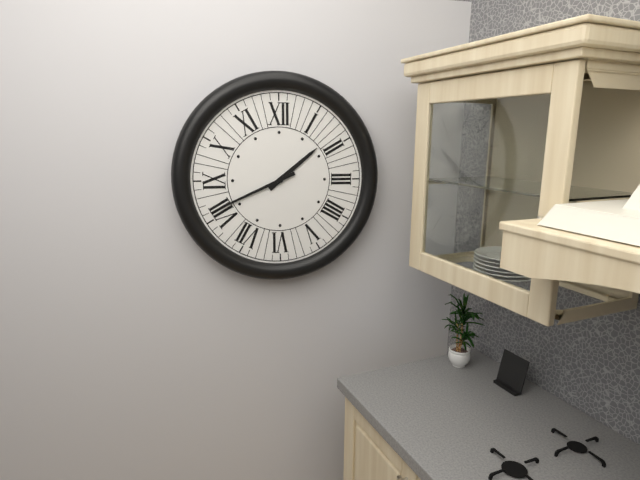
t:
1,41
